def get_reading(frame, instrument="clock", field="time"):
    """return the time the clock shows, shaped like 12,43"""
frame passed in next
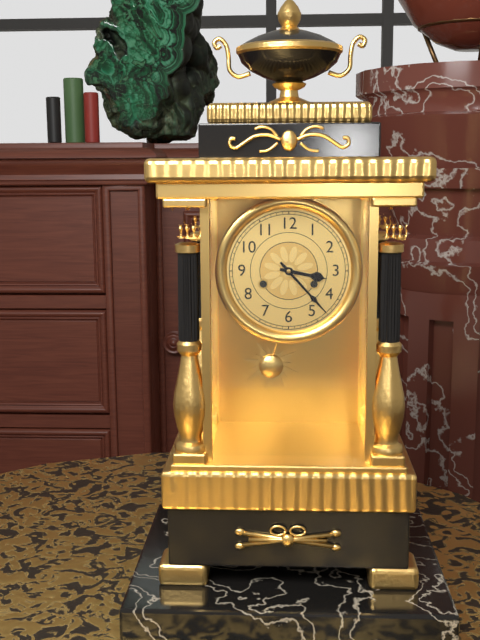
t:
3,23
